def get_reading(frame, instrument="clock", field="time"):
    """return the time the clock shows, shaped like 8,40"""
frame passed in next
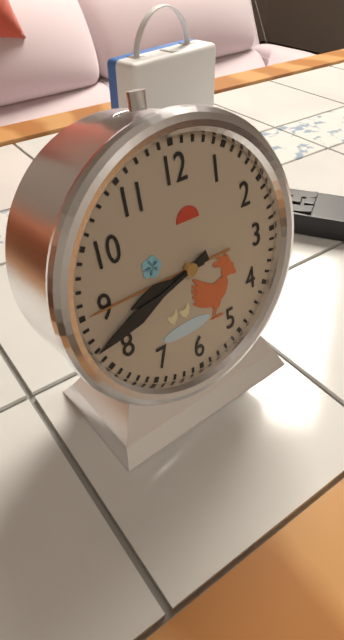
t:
8,42
